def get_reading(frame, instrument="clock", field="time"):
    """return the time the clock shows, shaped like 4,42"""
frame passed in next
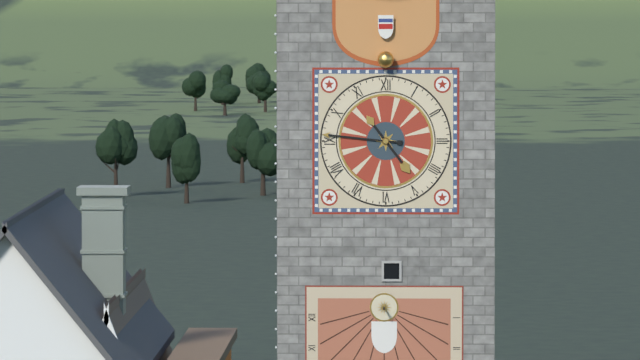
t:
4,46
